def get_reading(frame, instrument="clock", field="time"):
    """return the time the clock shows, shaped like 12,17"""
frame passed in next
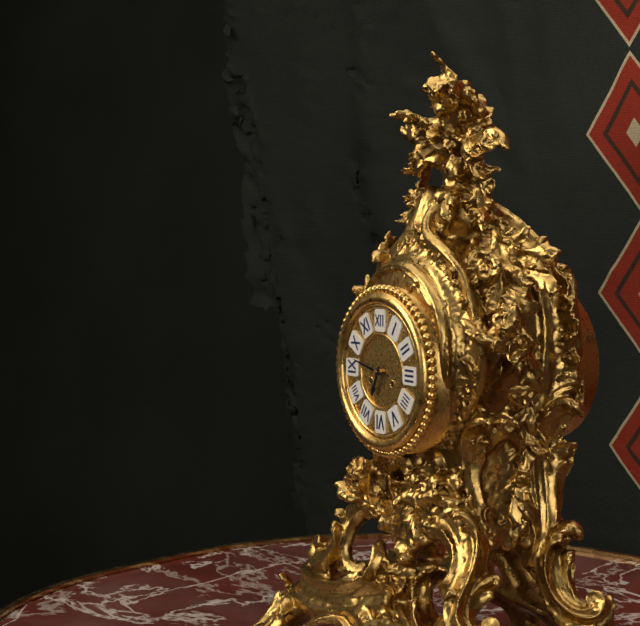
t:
6,47
